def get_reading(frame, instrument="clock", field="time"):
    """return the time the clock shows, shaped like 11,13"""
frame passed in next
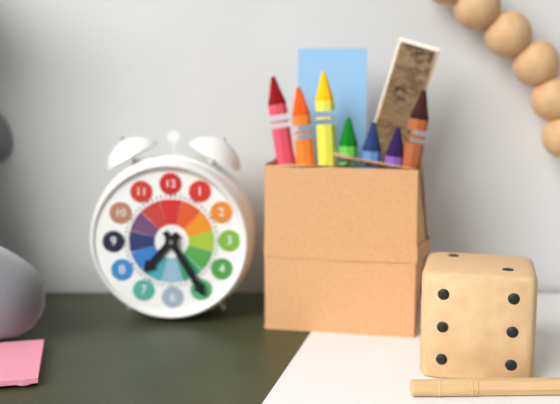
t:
7,25
